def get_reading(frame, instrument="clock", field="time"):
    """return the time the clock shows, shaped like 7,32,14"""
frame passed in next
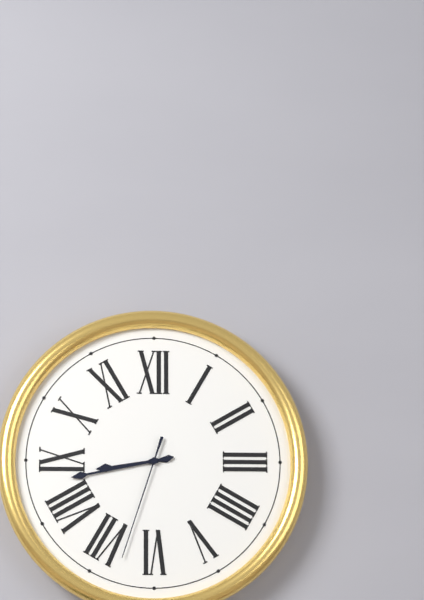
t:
8,43,33
